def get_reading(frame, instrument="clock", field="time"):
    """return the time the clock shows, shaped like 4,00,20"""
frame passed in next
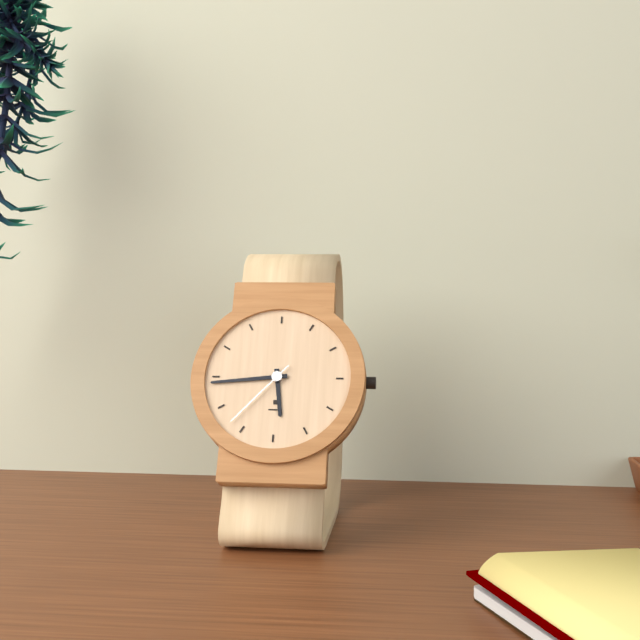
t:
5,44,37
